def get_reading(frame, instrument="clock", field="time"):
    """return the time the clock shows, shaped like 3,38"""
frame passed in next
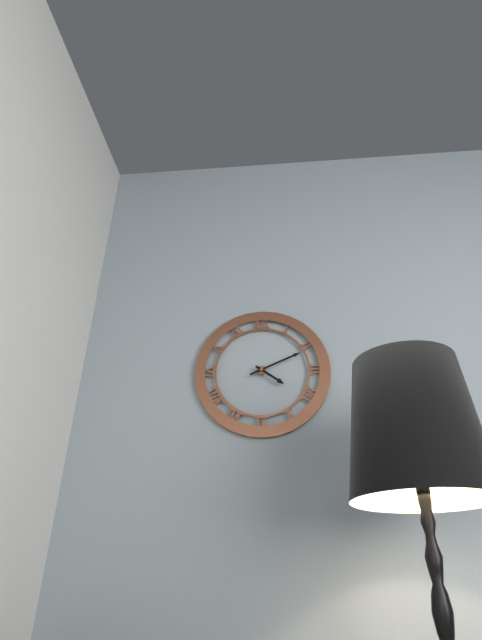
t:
4,11
